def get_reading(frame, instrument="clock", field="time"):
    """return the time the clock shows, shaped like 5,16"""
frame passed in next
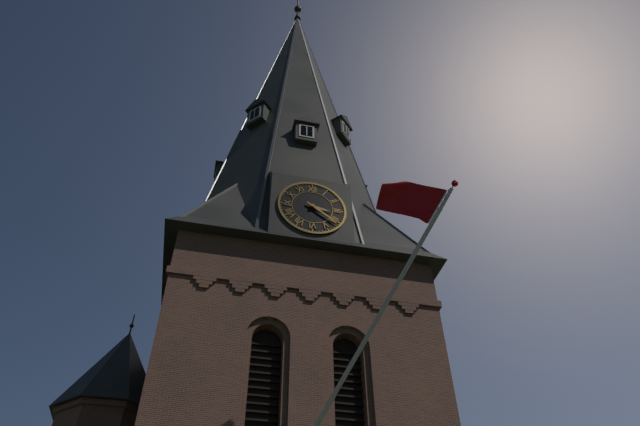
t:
3,21
